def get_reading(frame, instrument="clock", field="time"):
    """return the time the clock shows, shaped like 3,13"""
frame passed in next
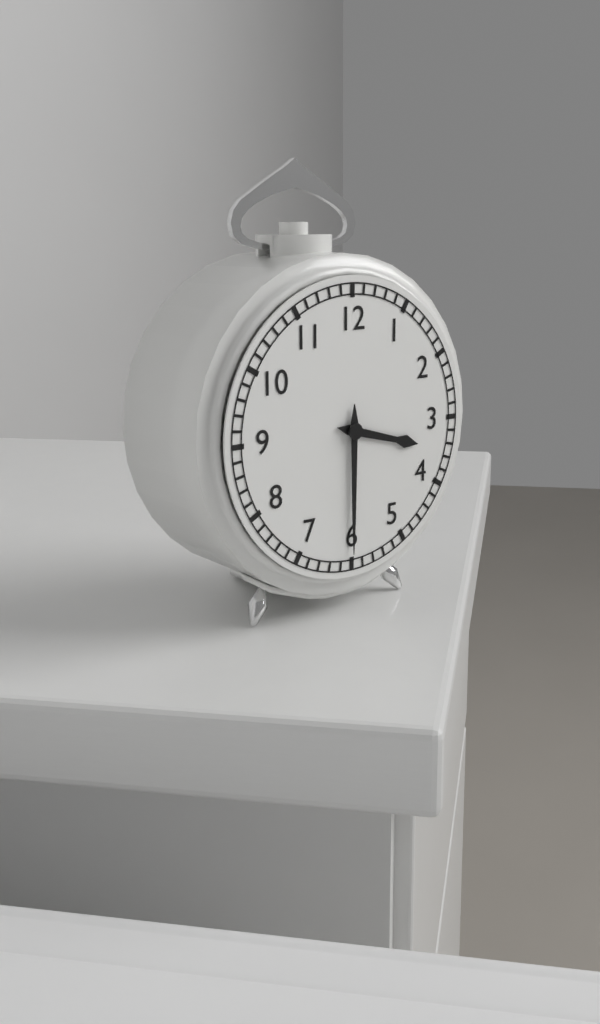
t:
3,30
